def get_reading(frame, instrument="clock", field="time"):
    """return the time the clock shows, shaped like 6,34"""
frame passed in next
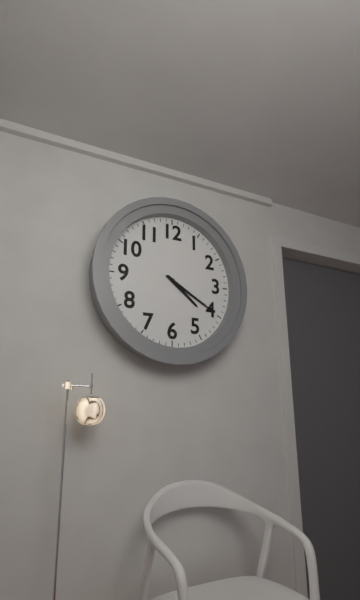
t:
4,20
